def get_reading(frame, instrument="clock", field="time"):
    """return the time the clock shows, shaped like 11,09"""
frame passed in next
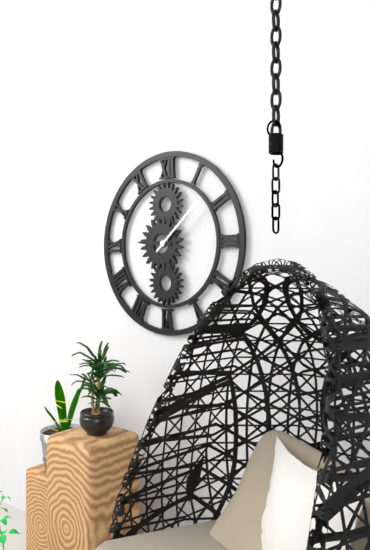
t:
9,08
